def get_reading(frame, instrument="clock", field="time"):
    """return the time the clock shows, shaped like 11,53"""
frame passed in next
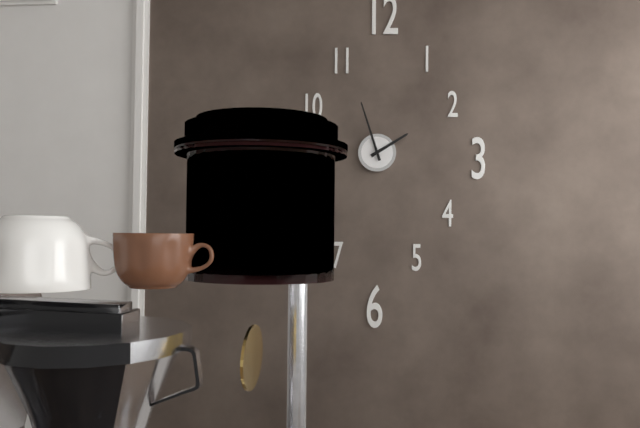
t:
1,57
